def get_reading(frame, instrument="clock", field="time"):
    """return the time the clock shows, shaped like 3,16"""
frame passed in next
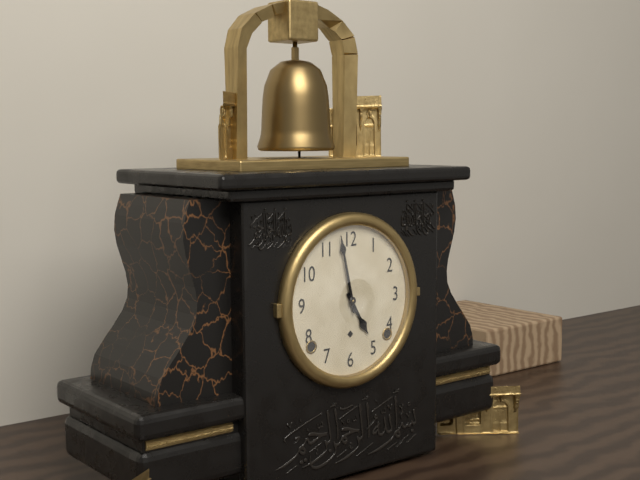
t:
4,58
